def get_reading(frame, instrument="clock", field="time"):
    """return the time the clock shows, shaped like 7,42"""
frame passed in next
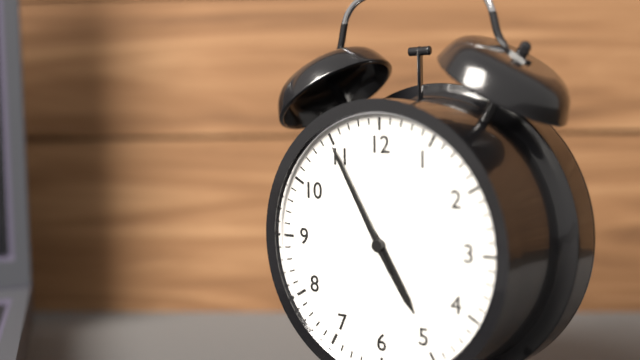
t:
4,55
